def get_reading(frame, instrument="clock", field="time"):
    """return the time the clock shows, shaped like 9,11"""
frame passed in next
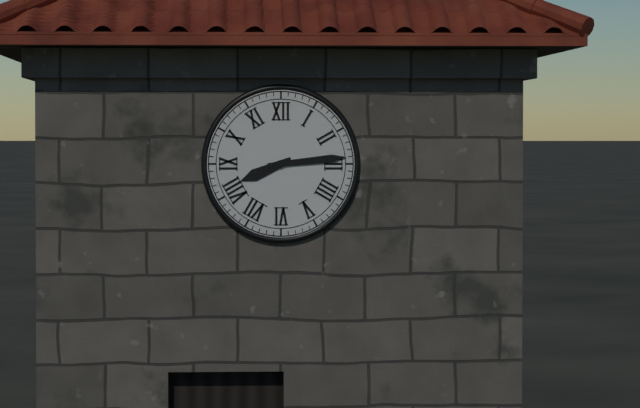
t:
8,14
